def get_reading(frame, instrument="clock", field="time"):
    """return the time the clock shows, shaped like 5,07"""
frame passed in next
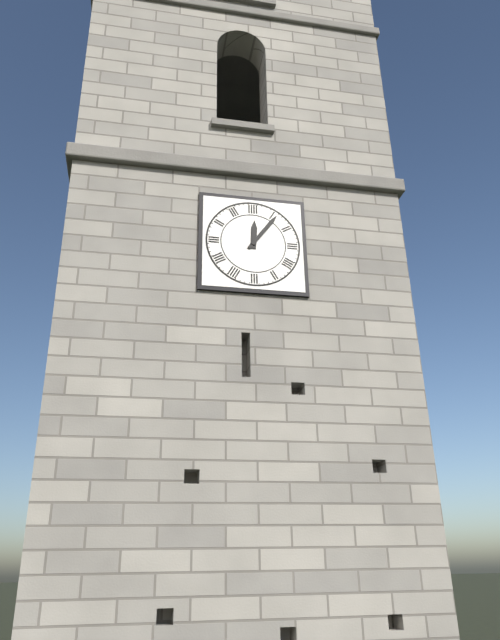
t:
12,06
